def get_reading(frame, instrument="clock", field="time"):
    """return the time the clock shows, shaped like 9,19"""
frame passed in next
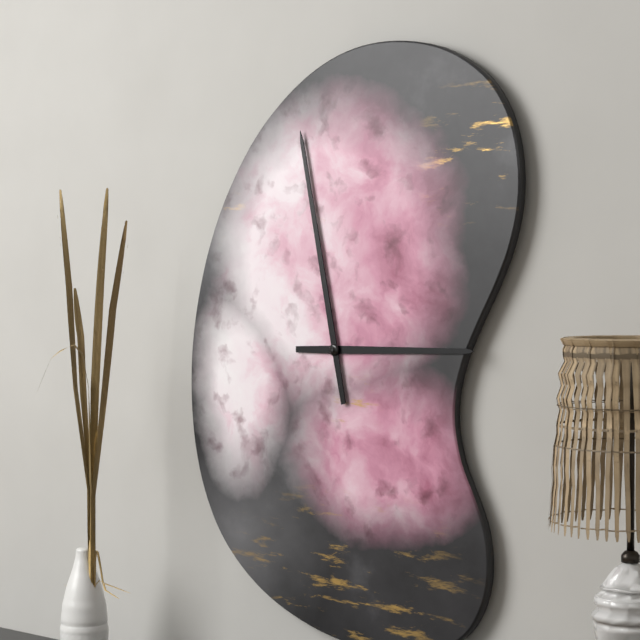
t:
2,58
